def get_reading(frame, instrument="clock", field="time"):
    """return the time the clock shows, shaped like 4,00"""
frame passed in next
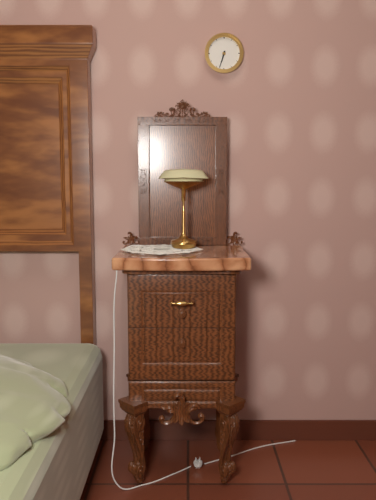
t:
6,33
